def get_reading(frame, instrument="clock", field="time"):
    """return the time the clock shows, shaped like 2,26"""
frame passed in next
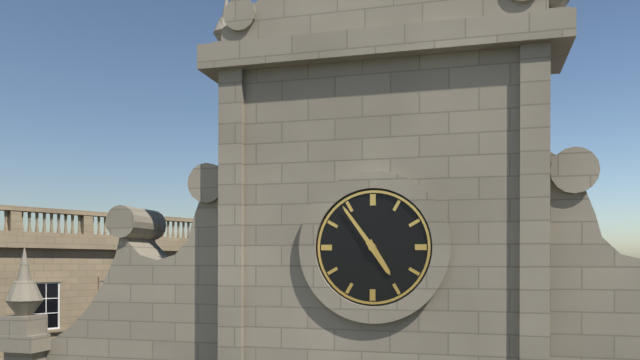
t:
4,54
